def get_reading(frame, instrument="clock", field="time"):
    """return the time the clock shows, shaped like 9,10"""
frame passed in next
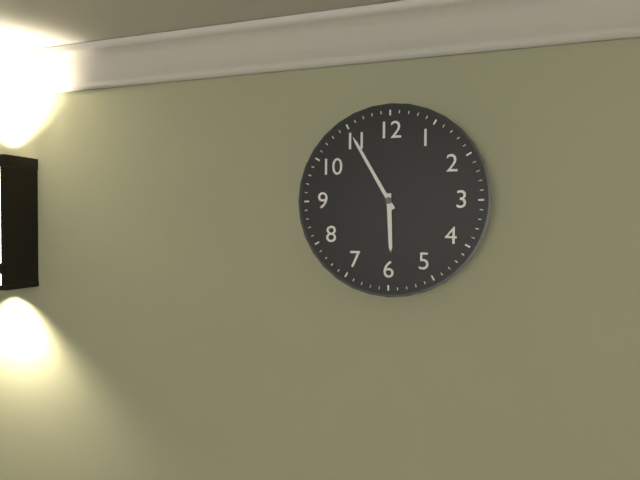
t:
5,55
